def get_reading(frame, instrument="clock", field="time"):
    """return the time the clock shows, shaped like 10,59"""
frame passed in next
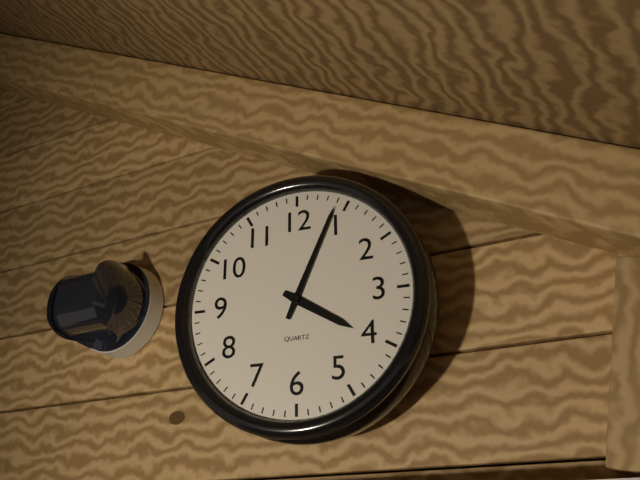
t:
4,04
